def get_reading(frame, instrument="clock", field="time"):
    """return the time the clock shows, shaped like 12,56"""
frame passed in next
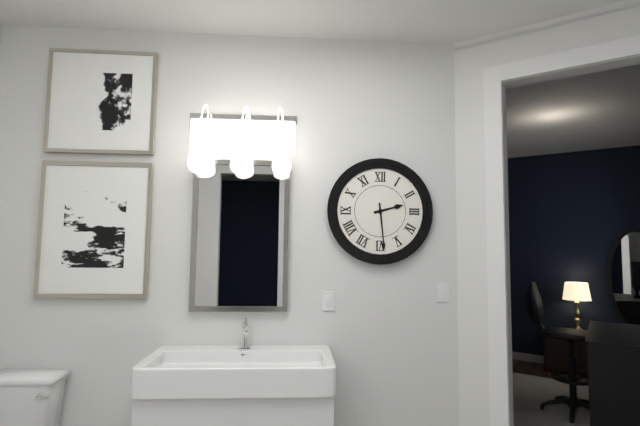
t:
2,29
